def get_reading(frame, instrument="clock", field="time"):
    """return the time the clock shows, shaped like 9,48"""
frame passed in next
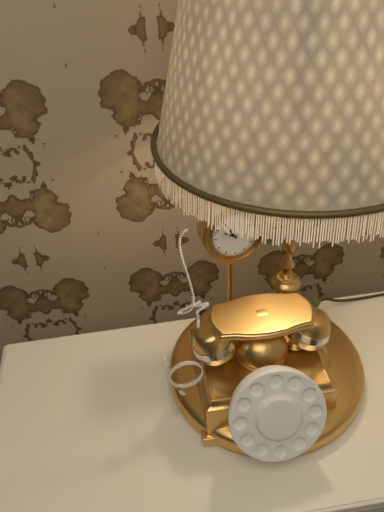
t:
9,55
